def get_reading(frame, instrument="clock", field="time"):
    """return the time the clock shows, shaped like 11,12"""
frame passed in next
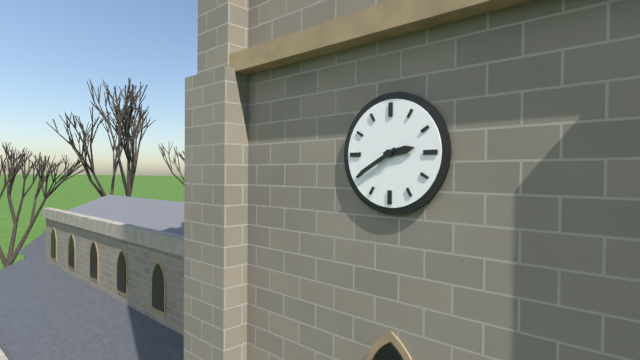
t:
2,40
